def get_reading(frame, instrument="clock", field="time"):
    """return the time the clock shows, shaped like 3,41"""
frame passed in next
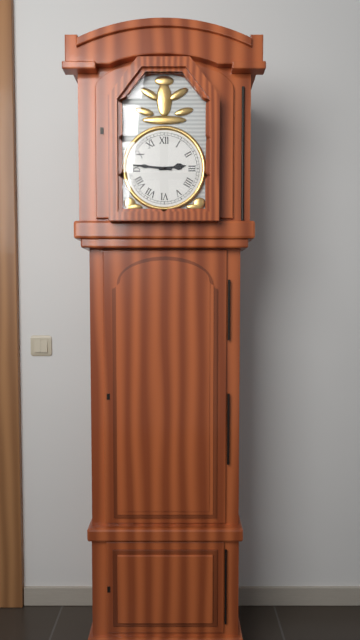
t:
2,46
